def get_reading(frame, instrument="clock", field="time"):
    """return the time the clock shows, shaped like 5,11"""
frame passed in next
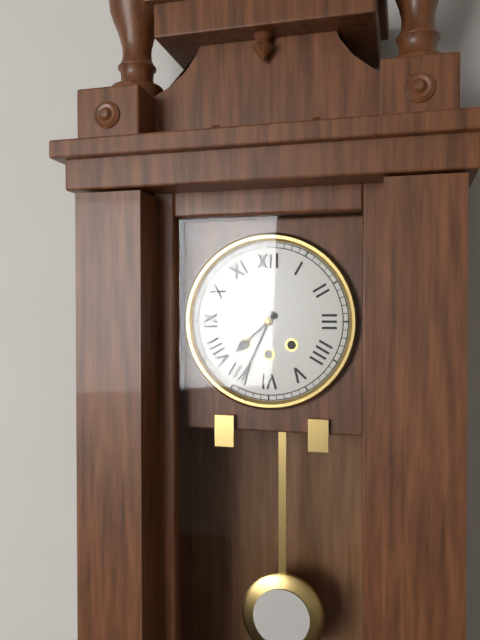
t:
7,34
